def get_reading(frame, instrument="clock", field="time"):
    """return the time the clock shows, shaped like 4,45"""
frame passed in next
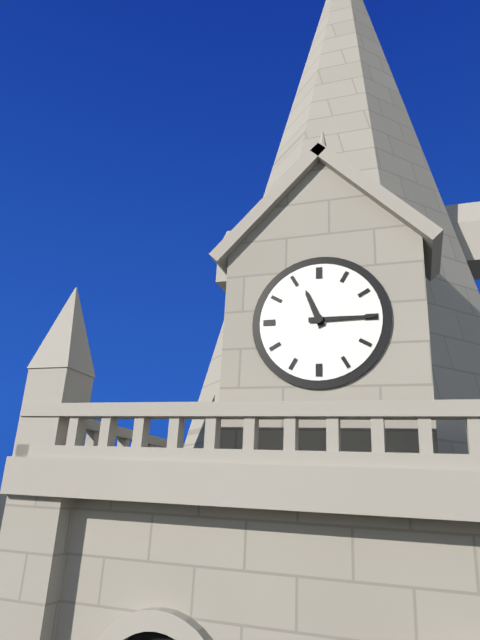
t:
11,15
